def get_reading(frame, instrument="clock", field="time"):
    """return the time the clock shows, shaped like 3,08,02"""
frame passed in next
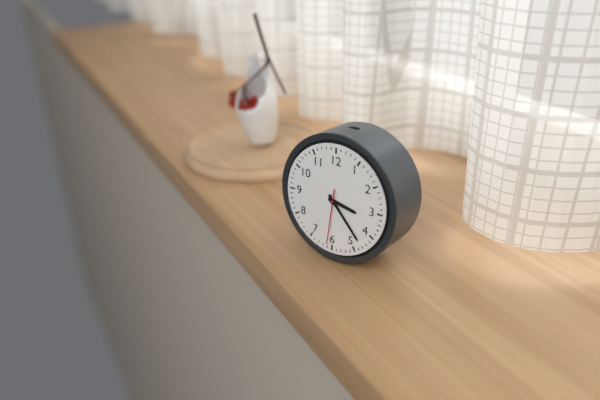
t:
3,23,31
